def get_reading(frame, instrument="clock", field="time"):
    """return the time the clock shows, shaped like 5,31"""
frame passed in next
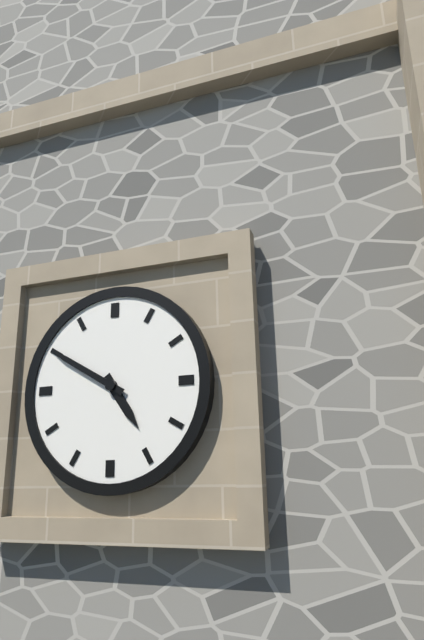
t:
4,50
